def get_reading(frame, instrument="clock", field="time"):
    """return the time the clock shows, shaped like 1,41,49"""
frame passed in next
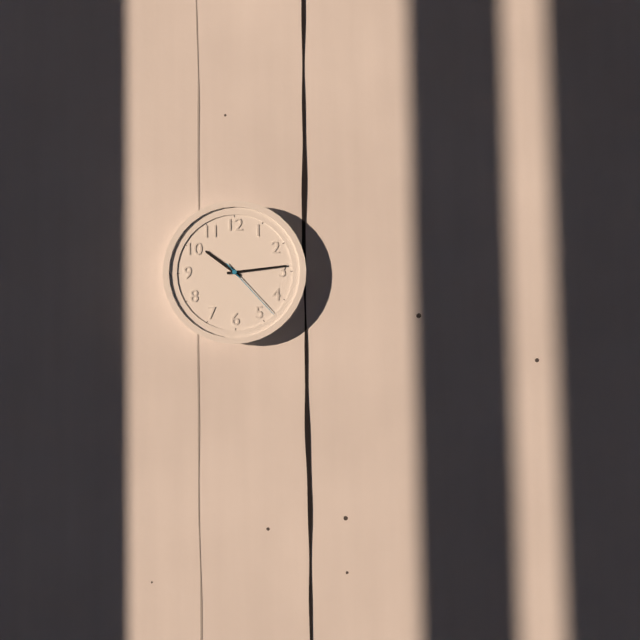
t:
10,14,23
